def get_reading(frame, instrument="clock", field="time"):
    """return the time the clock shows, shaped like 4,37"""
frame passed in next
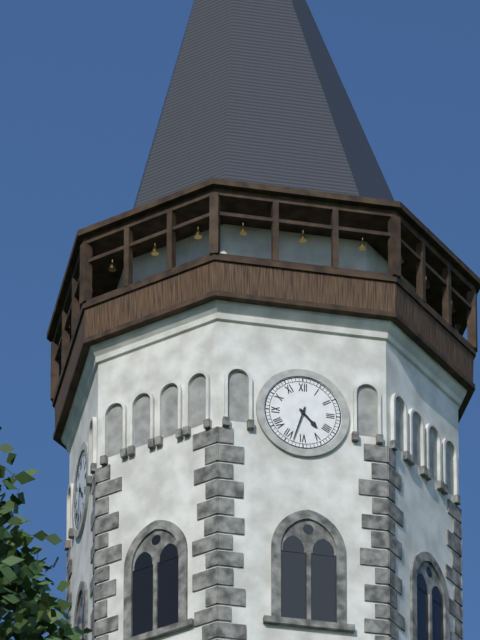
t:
4,33
